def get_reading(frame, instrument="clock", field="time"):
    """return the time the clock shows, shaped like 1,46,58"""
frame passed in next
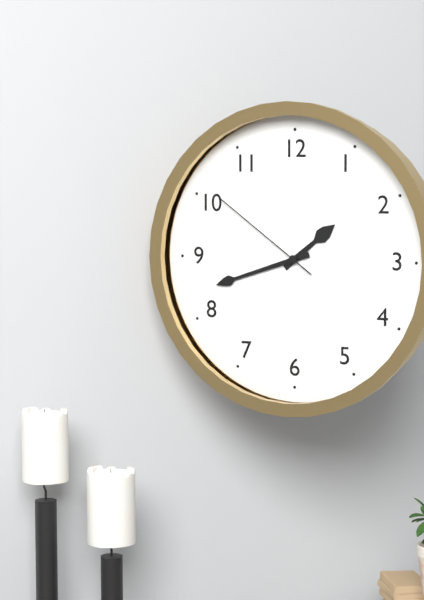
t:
1,42,51
